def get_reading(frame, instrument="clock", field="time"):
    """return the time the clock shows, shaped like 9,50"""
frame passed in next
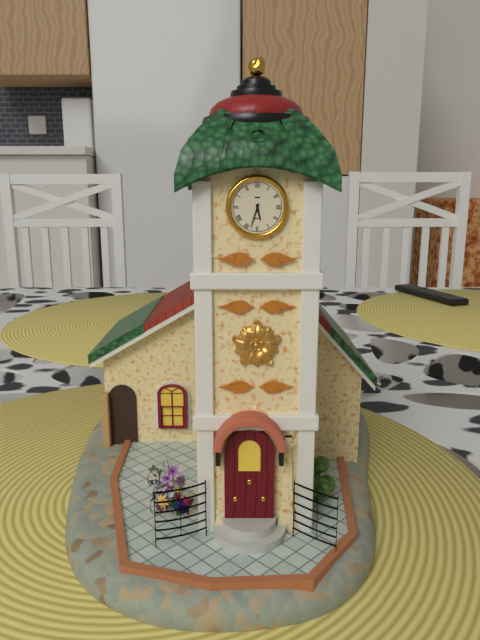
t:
5,33
